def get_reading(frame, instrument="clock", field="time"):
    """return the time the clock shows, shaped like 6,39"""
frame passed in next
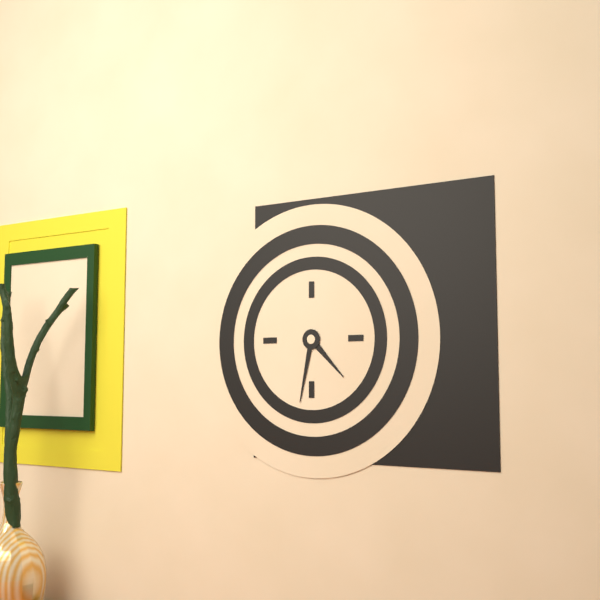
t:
4,32
